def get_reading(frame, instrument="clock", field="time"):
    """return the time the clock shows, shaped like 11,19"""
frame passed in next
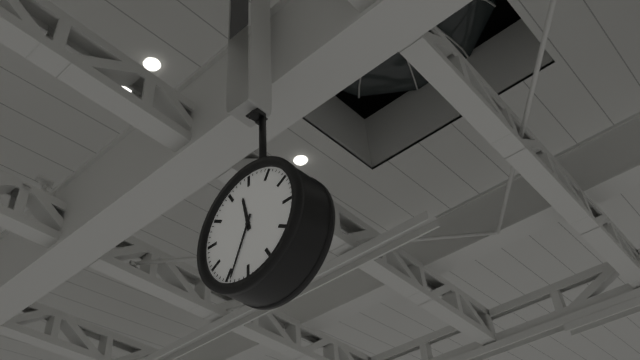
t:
11,34
